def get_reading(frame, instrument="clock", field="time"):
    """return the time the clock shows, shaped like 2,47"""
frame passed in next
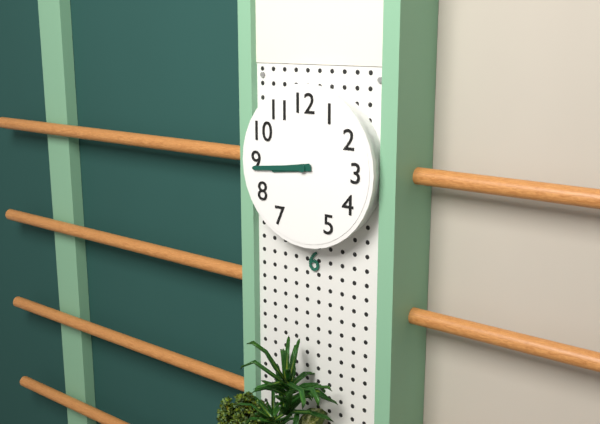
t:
8,44
